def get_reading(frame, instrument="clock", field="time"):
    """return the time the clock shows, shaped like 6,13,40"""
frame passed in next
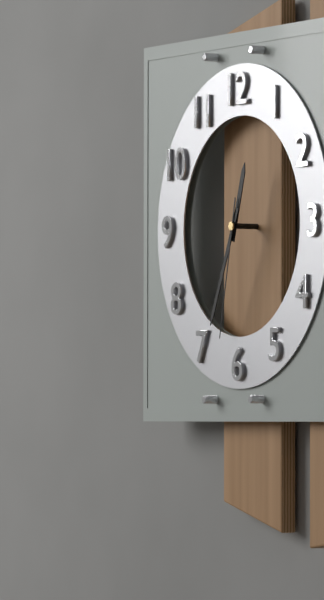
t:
12,34,32
